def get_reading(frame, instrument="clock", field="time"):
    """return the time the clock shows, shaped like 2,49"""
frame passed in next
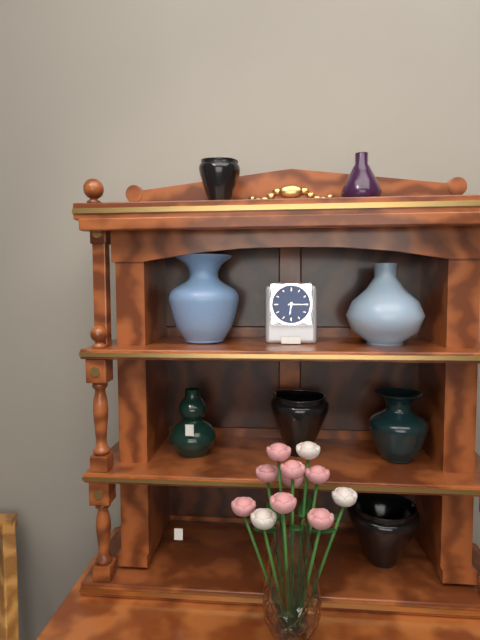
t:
6,15
